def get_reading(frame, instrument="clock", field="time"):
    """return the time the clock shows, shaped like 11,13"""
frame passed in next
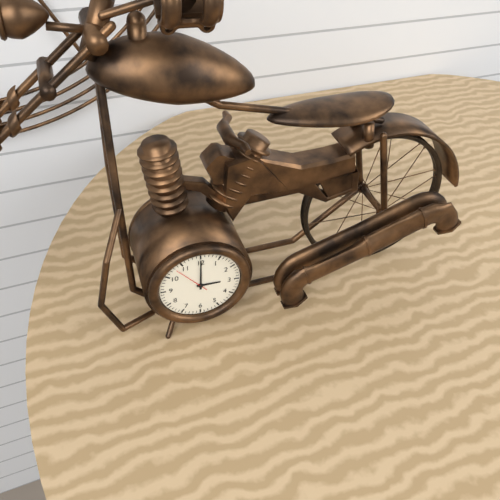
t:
3,00
